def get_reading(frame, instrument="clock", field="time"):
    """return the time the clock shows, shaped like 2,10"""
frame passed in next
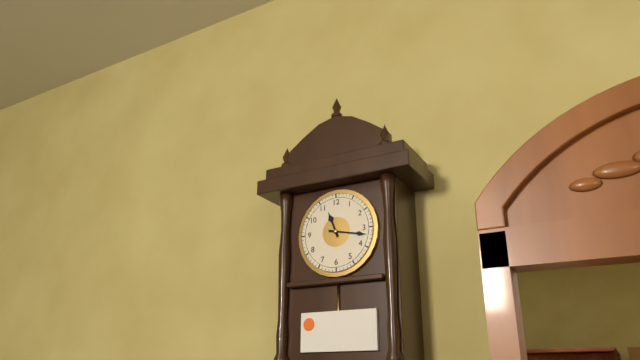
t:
11,17
